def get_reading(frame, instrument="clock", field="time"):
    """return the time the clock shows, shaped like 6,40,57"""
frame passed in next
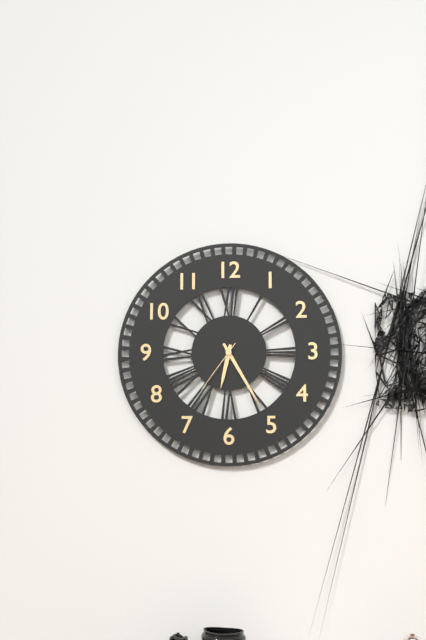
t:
6,25,36
